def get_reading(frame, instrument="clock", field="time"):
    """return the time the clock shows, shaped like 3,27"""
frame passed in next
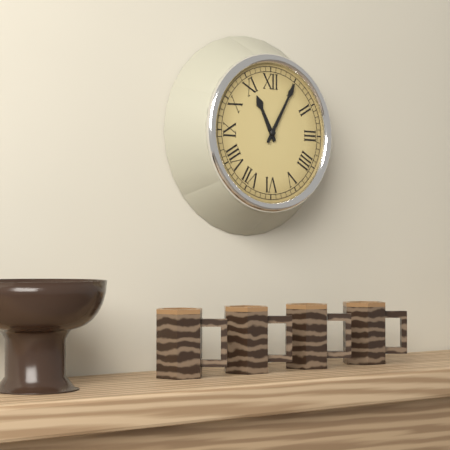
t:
11,05
